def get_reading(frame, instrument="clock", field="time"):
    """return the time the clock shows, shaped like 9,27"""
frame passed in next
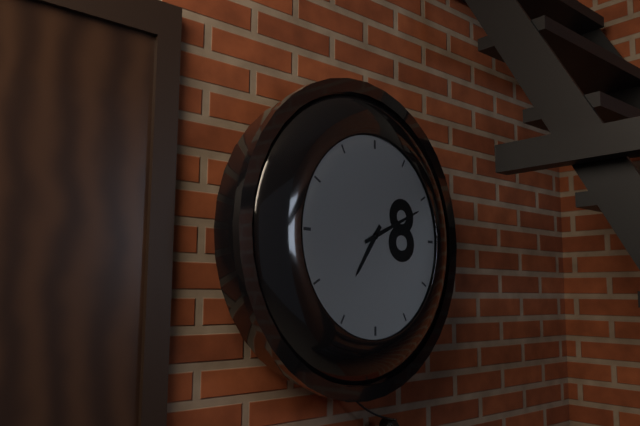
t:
7,11
